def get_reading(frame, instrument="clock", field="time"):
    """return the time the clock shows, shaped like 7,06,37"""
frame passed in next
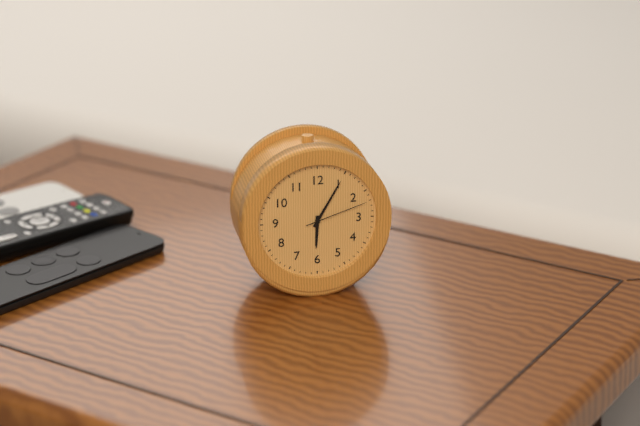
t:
6,05,12
